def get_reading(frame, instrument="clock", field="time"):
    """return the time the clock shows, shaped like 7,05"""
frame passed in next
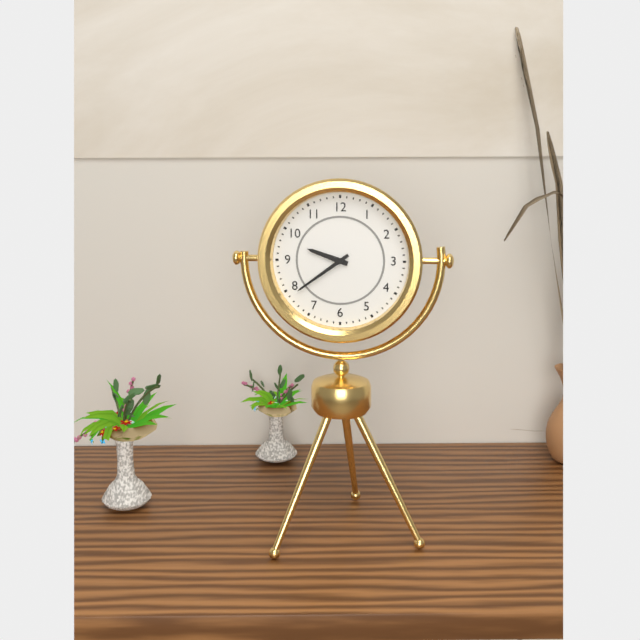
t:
9,39
